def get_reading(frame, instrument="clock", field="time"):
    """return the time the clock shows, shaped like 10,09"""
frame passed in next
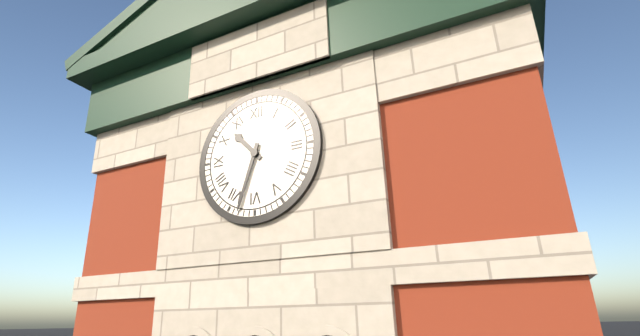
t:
10,33
